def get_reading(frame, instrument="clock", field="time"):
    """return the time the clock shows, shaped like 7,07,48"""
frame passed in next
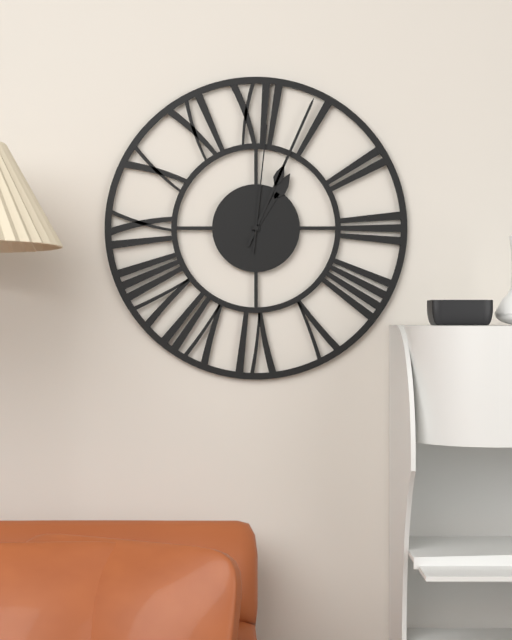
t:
1,04,01
